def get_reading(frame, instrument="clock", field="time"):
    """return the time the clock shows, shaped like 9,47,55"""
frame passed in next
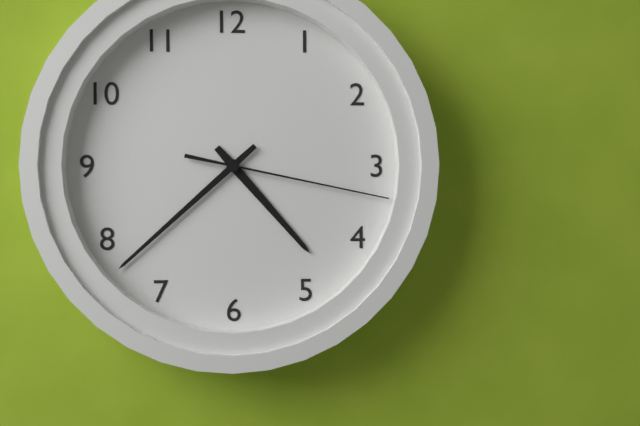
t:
4,38,17
